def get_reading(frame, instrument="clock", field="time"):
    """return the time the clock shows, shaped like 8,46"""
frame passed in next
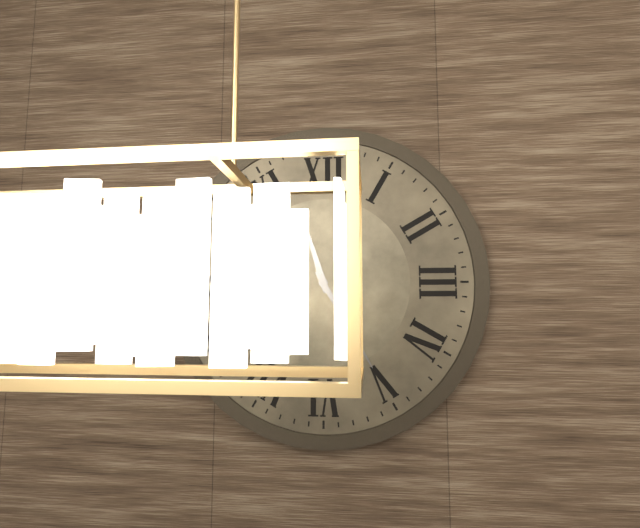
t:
11,25
